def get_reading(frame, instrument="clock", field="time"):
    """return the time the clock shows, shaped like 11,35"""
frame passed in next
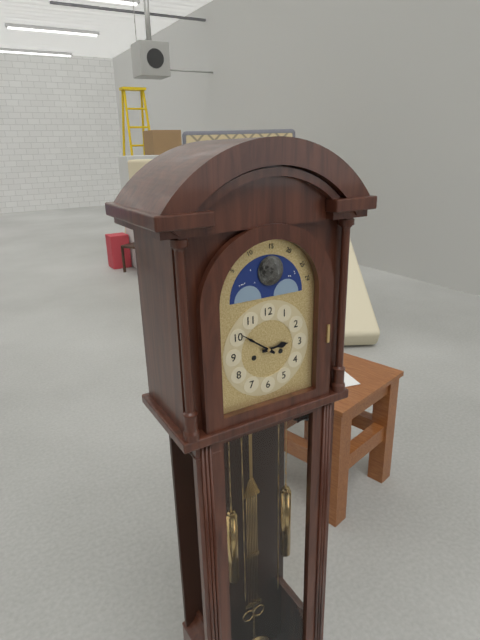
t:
2,51
